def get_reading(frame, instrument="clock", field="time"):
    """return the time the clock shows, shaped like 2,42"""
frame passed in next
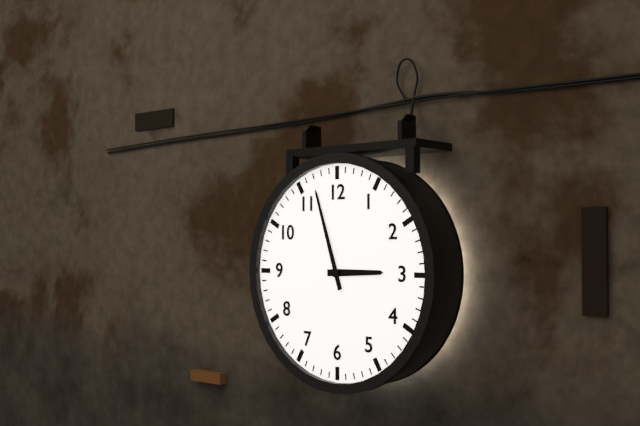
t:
2,57
